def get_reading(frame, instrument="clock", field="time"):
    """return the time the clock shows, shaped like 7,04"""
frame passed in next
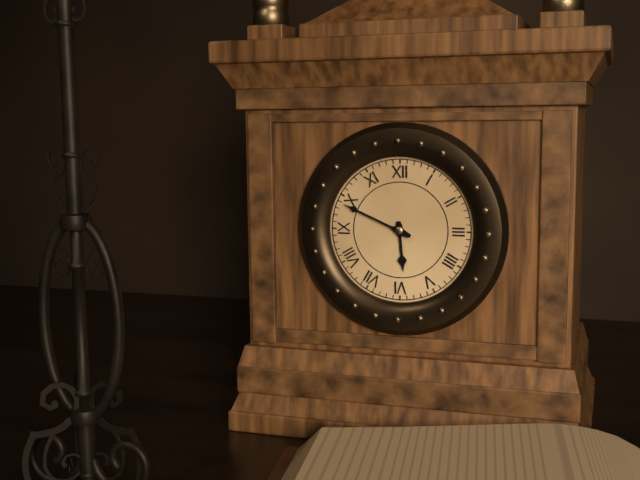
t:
5,49
